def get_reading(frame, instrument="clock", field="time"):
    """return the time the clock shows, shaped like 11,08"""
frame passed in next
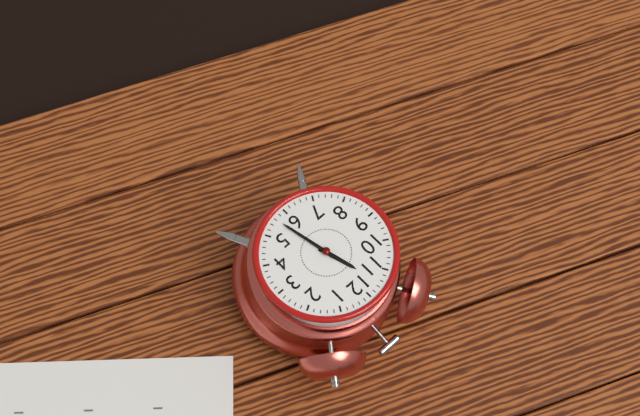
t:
11,28
